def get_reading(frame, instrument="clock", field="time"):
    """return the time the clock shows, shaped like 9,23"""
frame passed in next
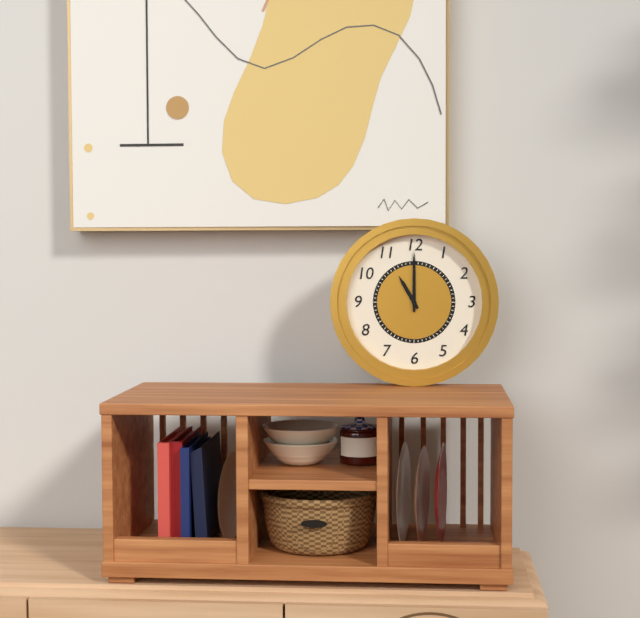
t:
11,00
